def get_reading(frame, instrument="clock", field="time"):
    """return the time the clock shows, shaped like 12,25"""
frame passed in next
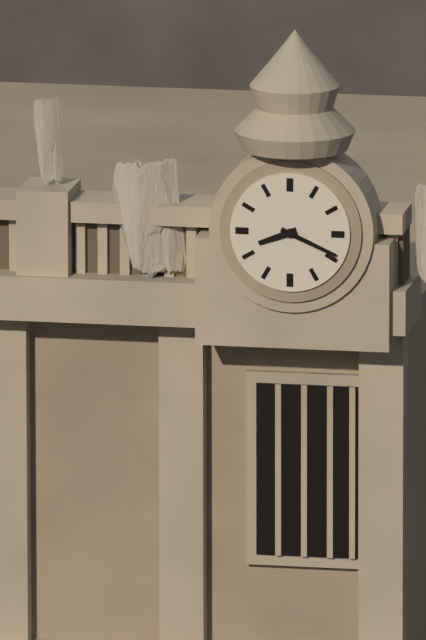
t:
8,19
